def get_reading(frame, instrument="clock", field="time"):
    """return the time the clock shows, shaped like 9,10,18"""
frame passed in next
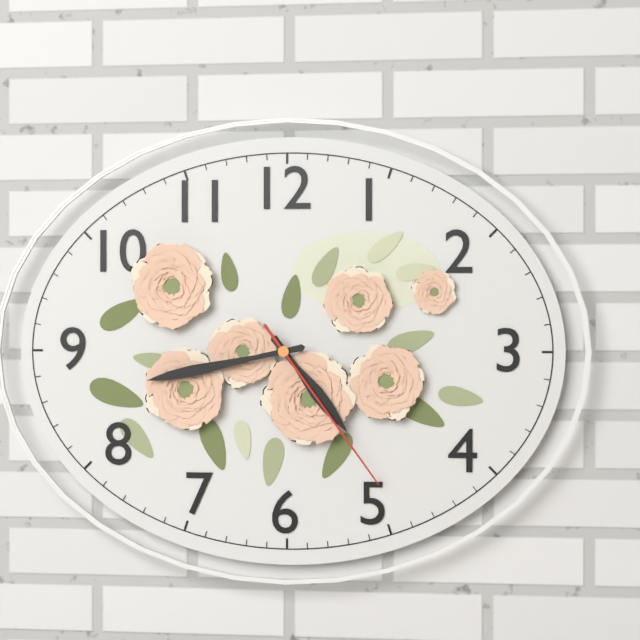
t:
4,43,24
